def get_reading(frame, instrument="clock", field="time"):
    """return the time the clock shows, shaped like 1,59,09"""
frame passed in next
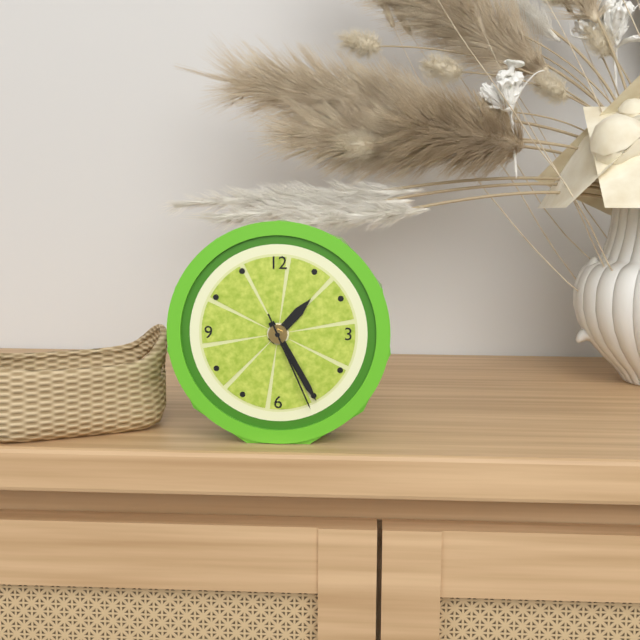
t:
1,25,26
